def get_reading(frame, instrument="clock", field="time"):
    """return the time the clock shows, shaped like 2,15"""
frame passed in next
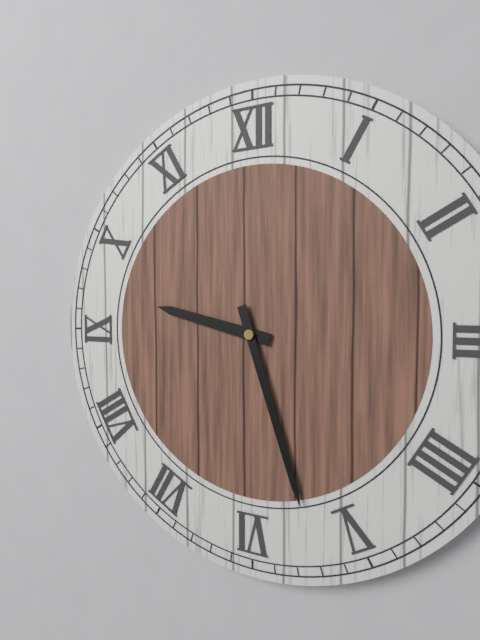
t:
9,27
